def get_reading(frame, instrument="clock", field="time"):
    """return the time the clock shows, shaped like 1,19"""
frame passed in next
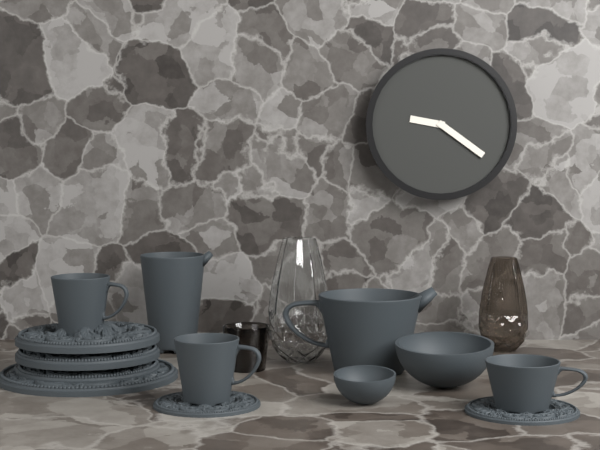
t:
9,21
